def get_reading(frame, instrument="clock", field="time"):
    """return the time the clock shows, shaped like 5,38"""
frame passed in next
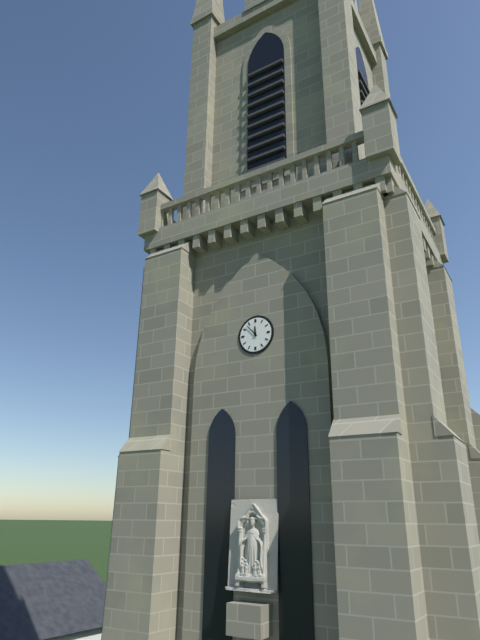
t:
11,53
